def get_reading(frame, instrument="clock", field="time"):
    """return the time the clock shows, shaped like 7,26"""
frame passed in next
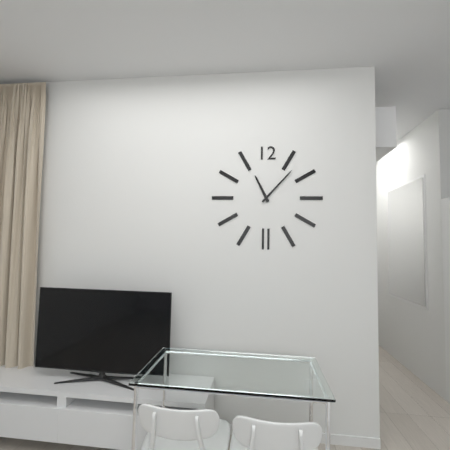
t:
11,07
